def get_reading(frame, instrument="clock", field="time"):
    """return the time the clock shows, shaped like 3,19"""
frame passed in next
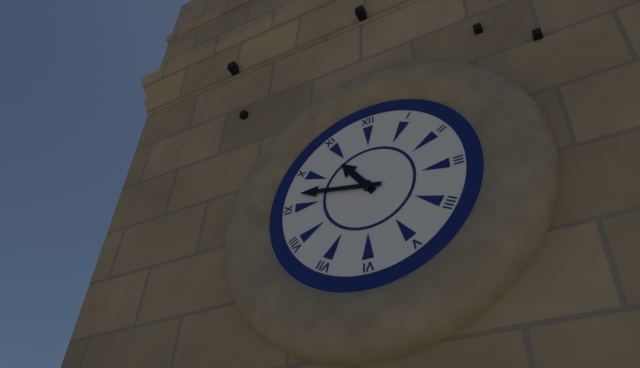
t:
10,47
